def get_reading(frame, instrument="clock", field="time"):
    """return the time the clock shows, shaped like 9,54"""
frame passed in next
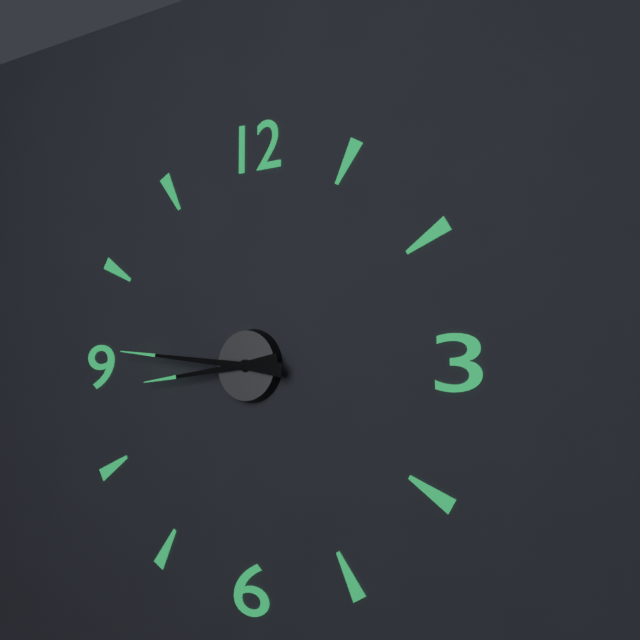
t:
8,46
